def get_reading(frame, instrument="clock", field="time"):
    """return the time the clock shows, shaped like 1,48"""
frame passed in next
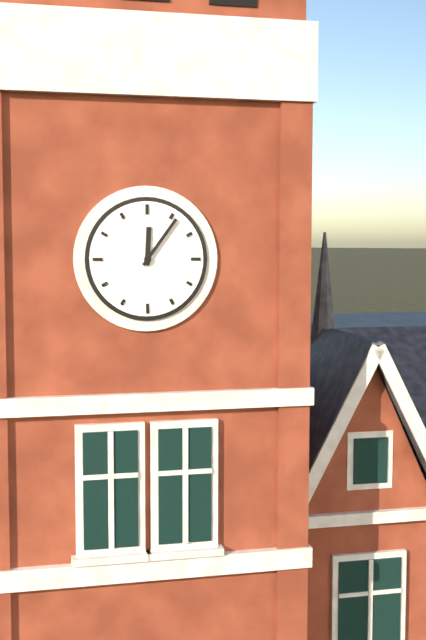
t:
12,06
